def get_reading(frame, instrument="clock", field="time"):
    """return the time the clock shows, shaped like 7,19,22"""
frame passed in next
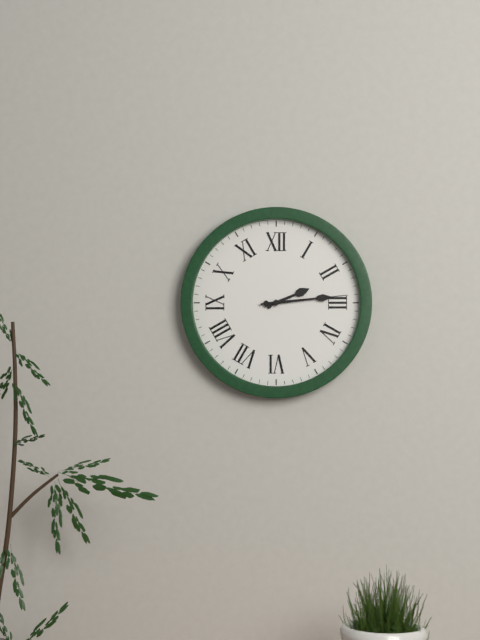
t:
2,14,14
